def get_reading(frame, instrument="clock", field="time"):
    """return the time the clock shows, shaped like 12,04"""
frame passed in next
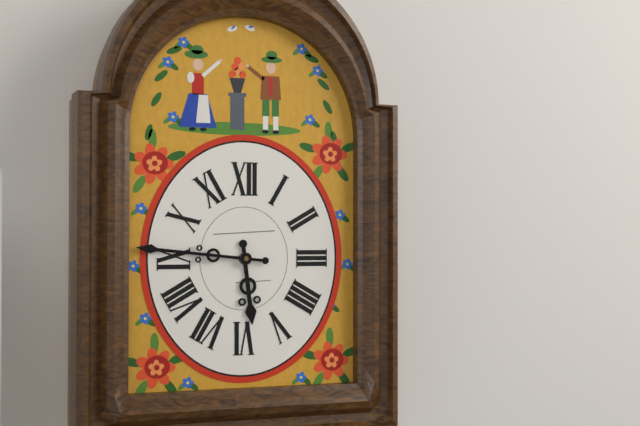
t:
5,46
